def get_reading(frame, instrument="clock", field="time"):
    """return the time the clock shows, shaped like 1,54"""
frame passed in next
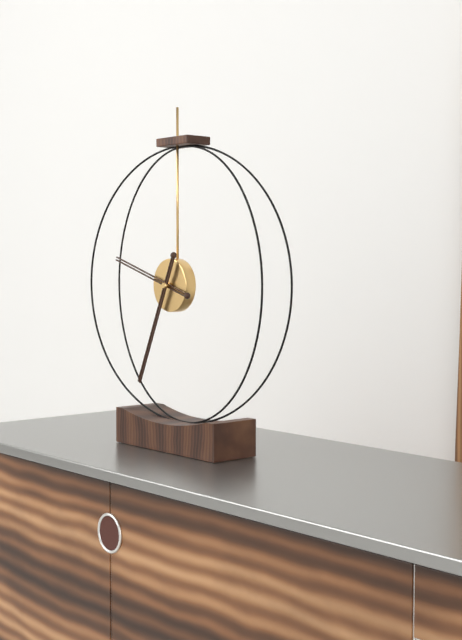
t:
9,34
